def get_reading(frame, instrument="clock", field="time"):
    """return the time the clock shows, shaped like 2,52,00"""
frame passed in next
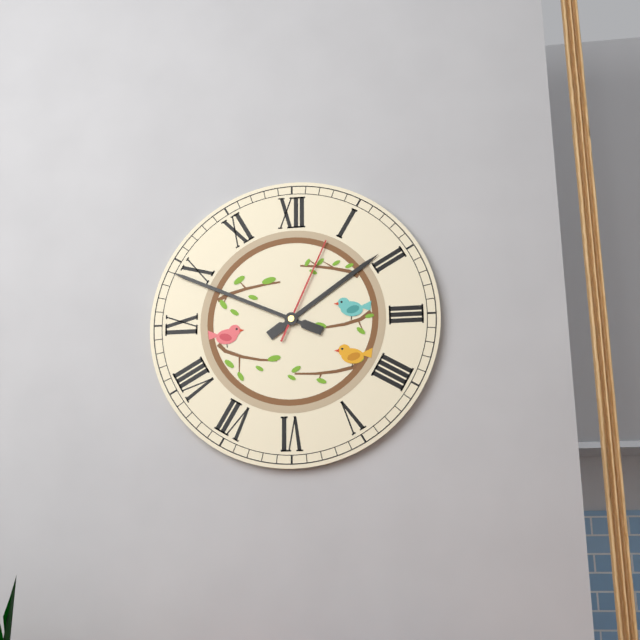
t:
1,49,04
